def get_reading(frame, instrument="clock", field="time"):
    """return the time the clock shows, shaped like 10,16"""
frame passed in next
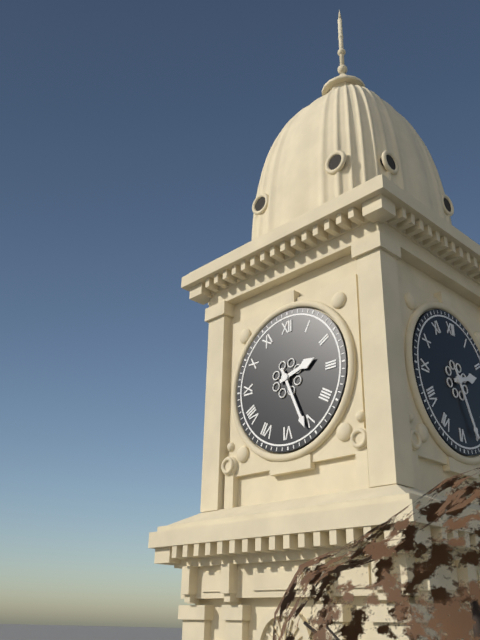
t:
2,26
